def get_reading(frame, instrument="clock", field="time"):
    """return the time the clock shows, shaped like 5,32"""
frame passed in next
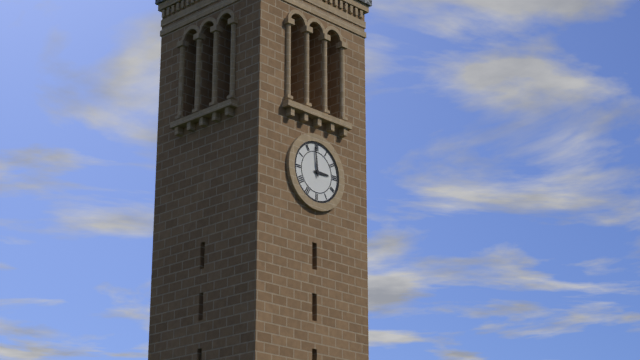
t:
2,59
